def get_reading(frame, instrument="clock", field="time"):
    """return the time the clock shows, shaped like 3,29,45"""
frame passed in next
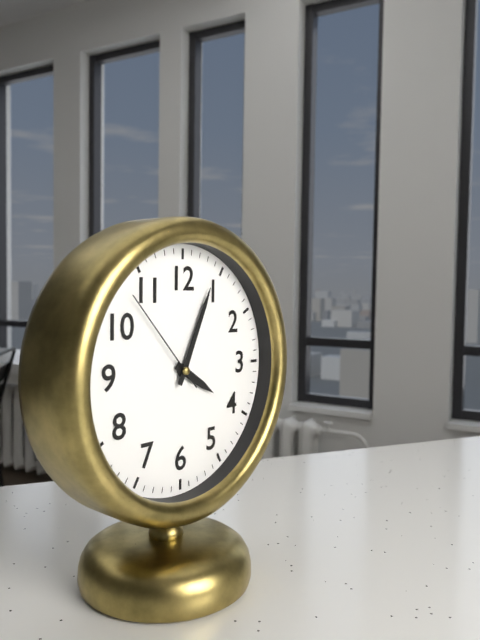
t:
4,04,53
